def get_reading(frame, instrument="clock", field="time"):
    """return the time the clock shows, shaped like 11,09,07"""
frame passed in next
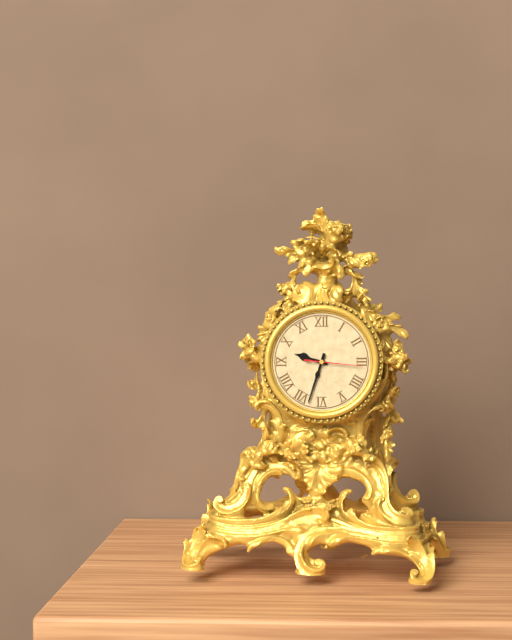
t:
9,33,16
